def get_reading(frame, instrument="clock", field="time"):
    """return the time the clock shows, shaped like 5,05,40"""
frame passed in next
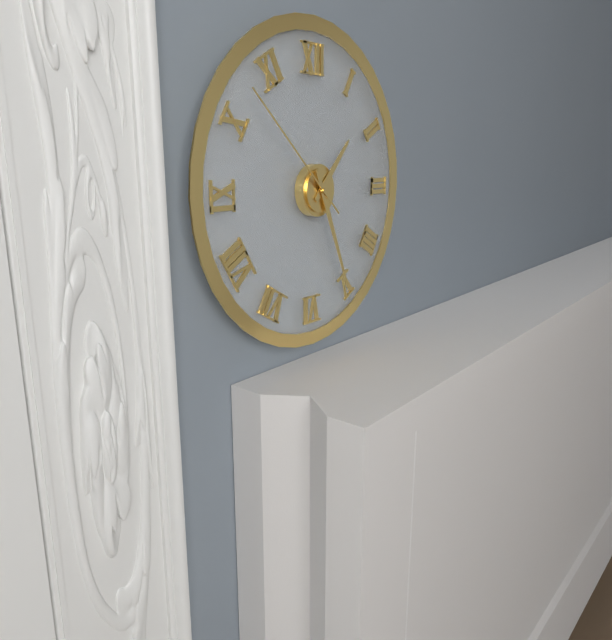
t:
1,26,52
